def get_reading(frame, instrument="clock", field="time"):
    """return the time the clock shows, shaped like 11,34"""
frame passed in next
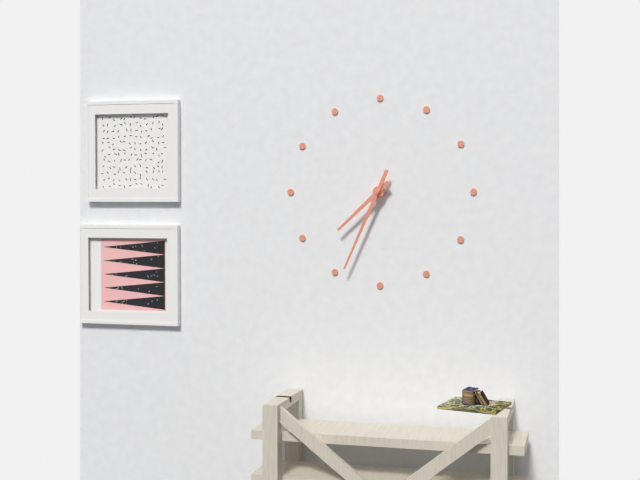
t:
7,34
